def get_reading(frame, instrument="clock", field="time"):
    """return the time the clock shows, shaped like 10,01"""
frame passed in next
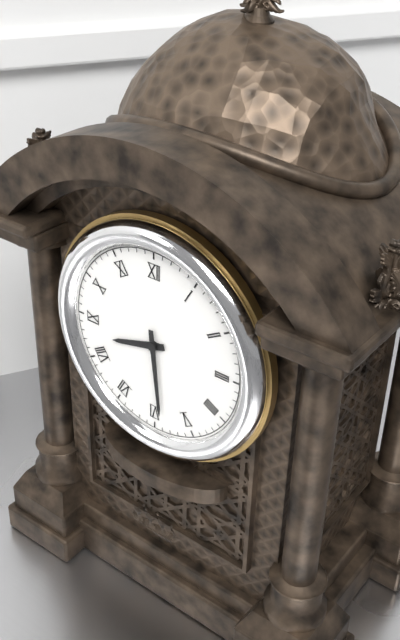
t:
8,29
